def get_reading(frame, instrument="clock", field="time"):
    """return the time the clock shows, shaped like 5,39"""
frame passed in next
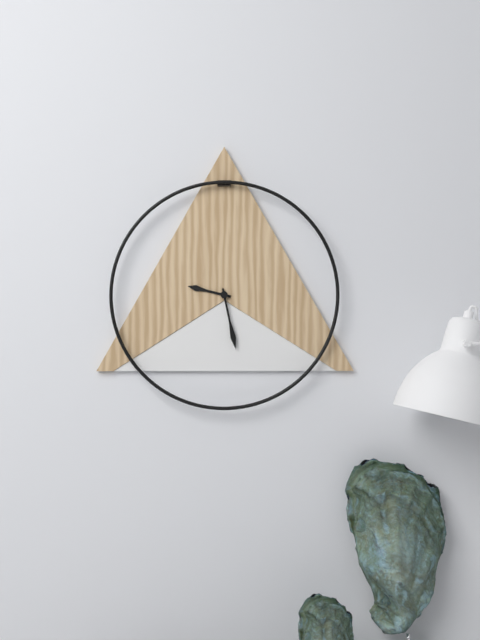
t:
9,28
